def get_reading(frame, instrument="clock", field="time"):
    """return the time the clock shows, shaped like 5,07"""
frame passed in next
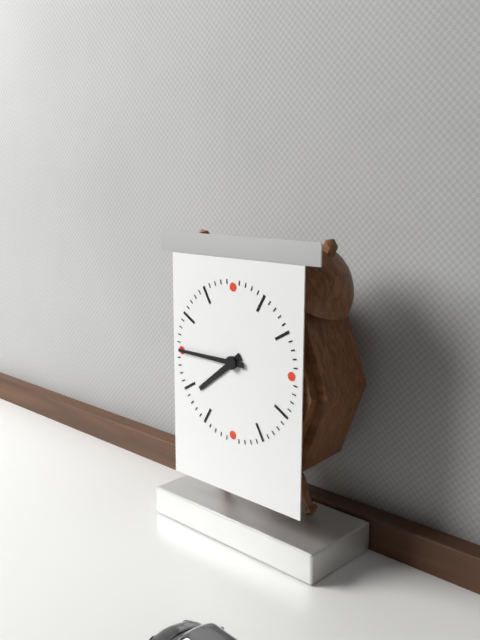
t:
7,45
